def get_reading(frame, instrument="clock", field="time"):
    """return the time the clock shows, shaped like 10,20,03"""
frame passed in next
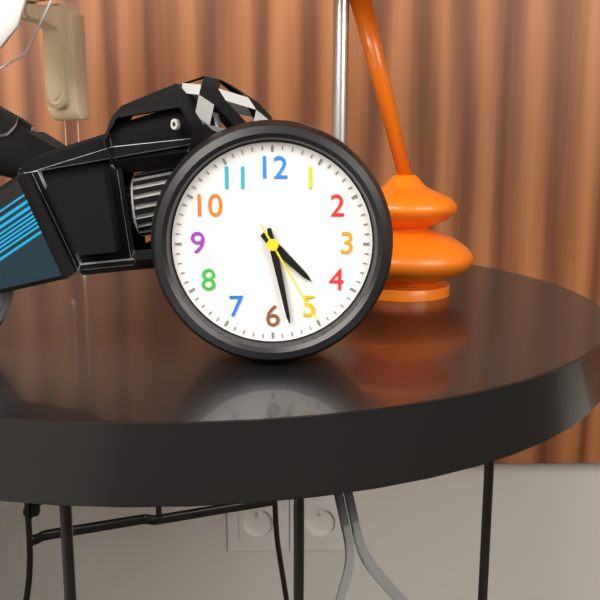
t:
4,28,25
